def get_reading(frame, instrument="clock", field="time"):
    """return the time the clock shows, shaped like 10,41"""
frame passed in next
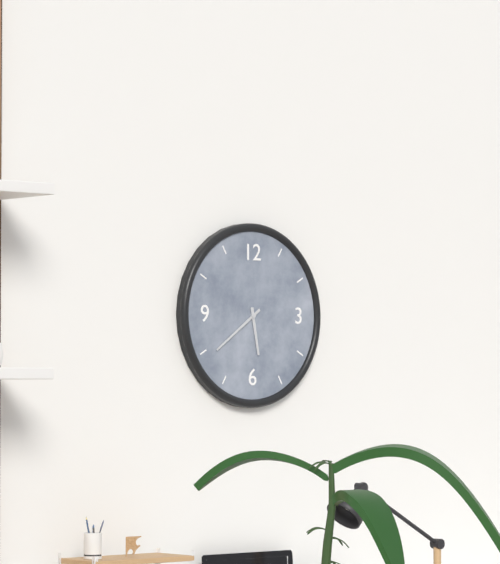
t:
5,39
